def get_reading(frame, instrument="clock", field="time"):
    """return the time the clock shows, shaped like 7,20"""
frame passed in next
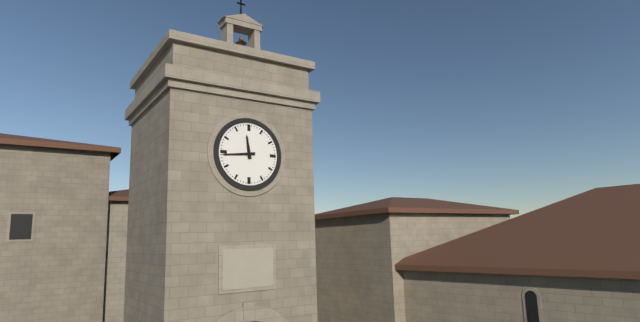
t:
11,44
